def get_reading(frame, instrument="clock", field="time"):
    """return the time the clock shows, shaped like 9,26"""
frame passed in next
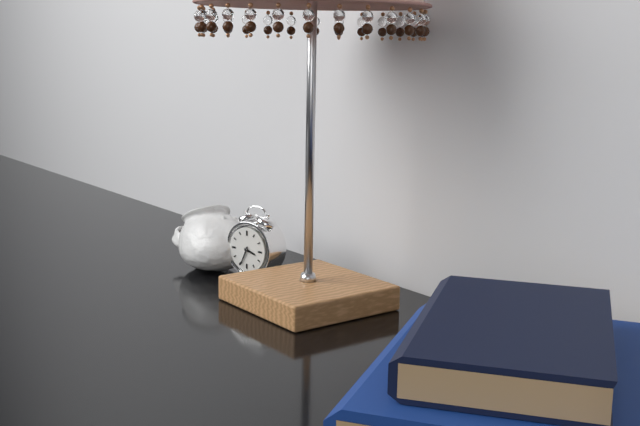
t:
3,34
